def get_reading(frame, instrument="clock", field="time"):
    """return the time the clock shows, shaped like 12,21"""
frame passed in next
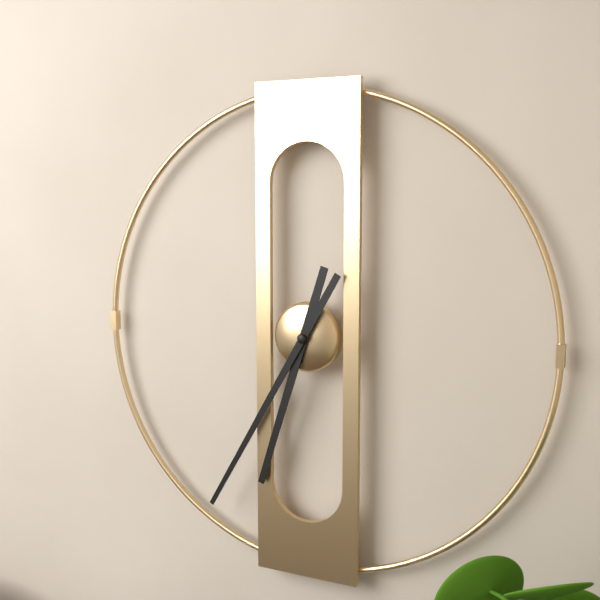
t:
6,35
